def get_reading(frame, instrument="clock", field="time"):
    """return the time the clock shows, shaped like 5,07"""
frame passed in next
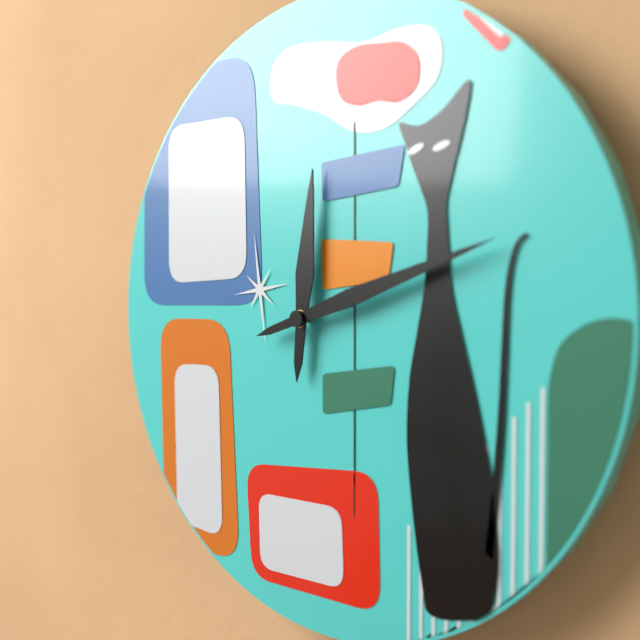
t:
12,12
